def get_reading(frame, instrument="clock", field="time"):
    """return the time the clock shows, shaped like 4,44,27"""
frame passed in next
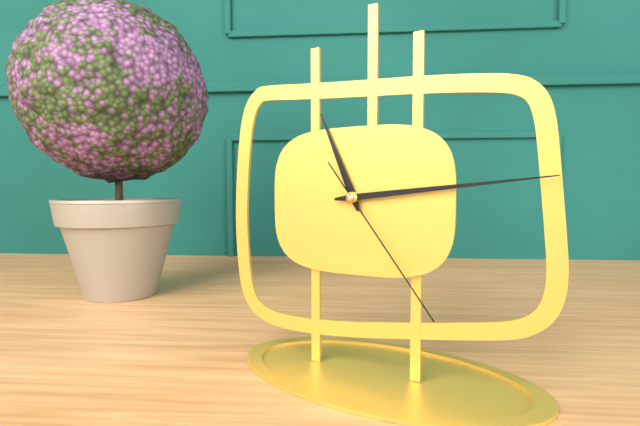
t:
11,14,24
